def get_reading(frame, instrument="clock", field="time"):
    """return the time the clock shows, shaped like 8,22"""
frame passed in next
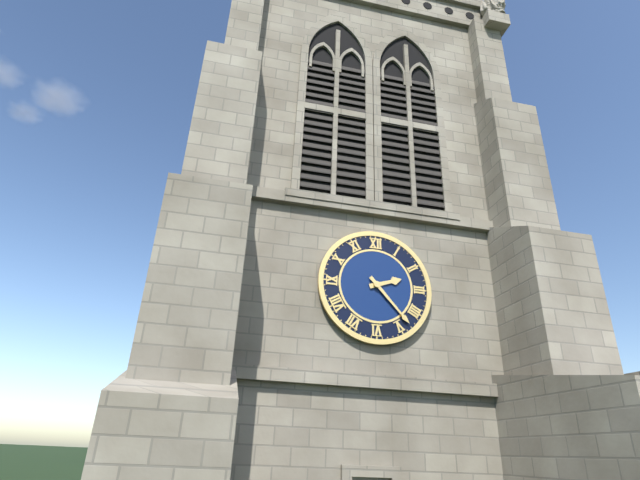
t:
2,23
